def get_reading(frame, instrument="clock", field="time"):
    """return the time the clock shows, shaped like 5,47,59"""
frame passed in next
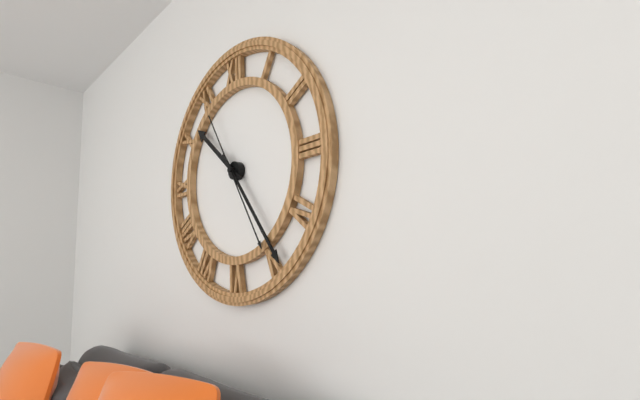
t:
10,24,25
